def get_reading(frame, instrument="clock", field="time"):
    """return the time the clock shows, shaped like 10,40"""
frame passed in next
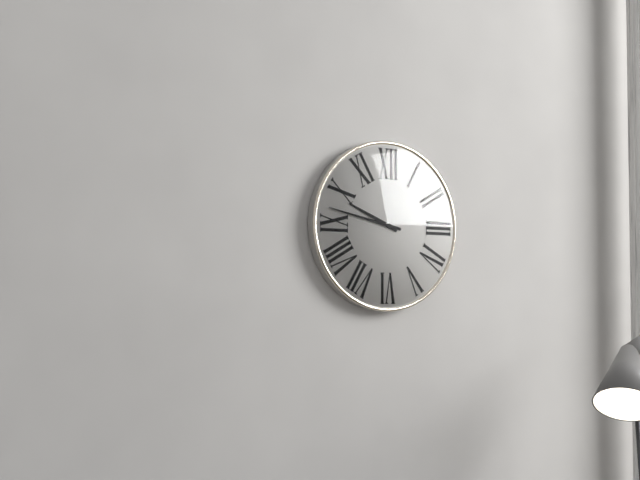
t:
9,47
